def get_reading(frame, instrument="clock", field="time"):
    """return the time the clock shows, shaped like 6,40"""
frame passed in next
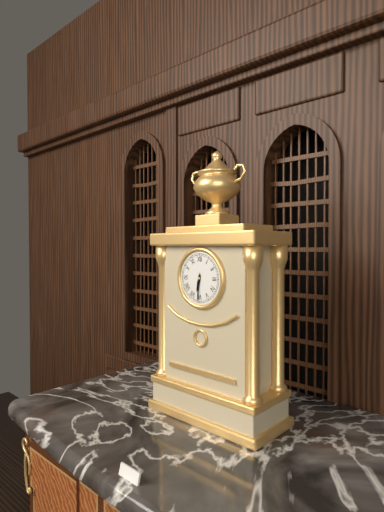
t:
6,31
